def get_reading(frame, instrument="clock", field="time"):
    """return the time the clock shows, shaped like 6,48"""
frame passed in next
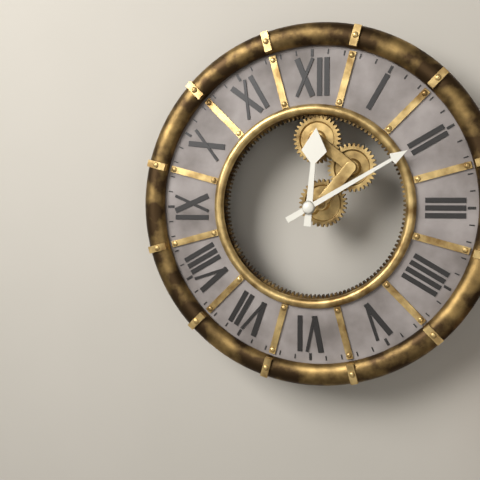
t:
12,10
